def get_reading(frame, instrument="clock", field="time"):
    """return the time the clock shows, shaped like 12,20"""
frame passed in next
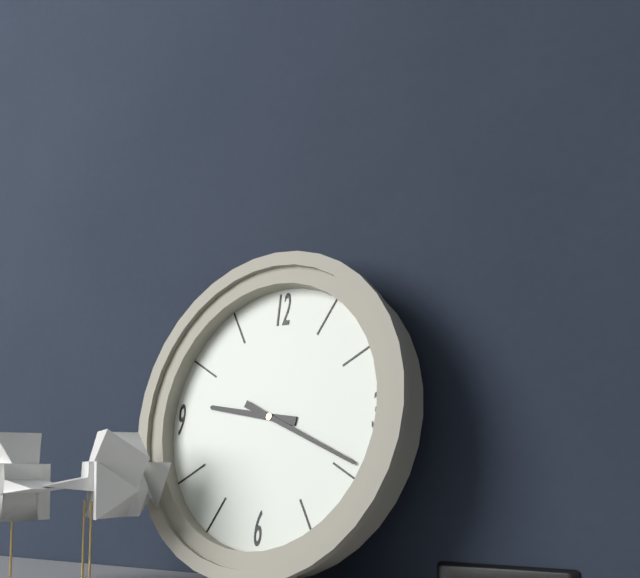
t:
9,19
